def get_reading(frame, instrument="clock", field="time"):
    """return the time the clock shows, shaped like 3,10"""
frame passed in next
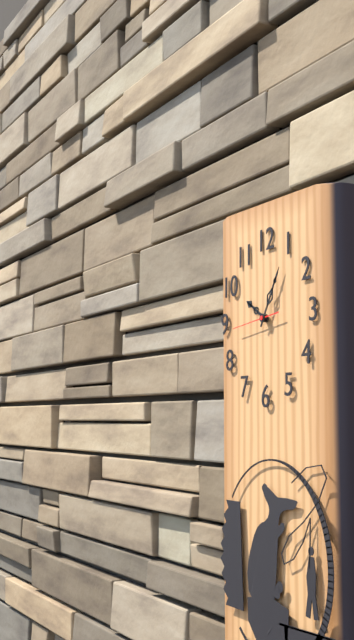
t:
10,05
